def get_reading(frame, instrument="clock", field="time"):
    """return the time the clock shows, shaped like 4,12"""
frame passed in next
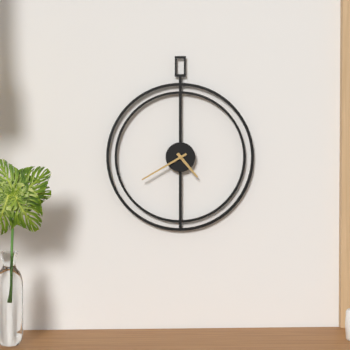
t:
4,40
